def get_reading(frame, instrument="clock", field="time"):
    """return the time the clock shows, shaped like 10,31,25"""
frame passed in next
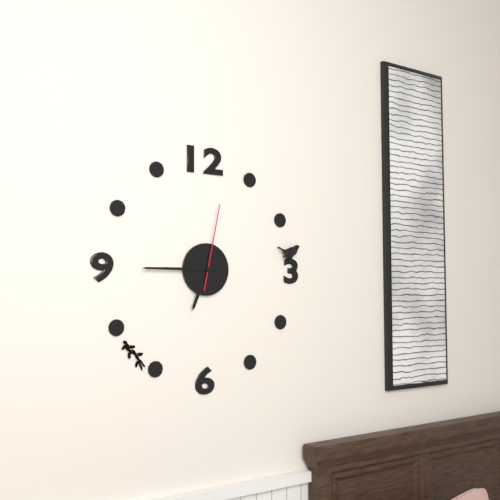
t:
6,45,02
